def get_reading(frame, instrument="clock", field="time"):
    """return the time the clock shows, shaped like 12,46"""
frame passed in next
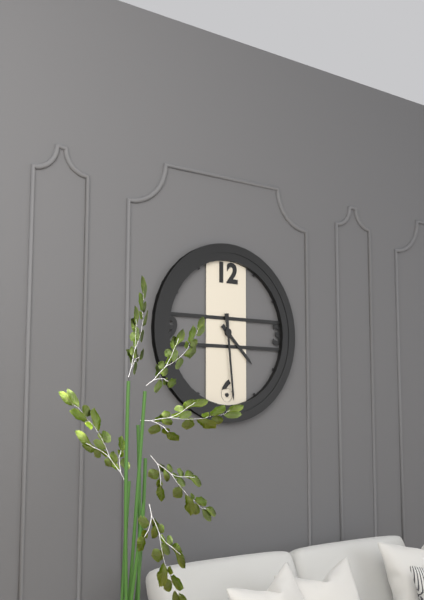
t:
4,29
